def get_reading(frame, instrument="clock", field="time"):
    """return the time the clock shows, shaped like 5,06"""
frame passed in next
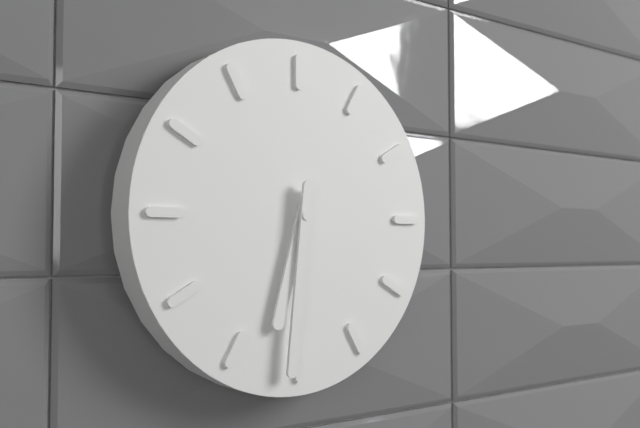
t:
6,31
